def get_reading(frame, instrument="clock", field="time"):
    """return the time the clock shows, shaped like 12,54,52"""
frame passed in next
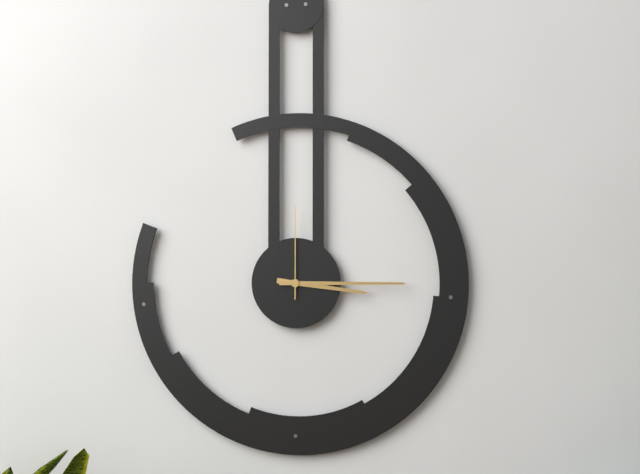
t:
3,15,00
